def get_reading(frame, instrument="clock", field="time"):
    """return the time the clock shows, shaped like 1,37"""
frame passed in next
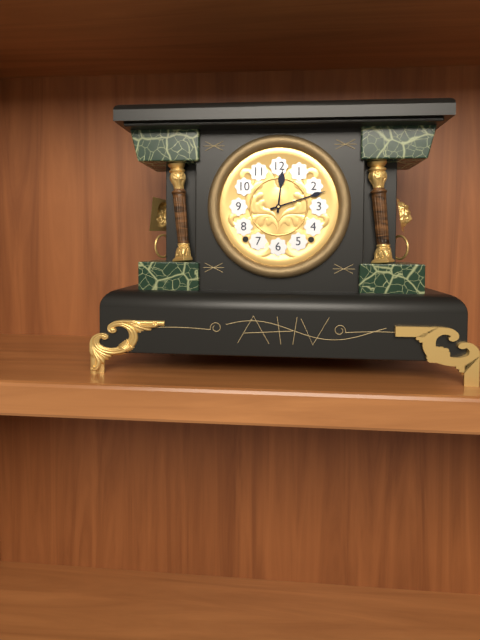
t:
12,12
